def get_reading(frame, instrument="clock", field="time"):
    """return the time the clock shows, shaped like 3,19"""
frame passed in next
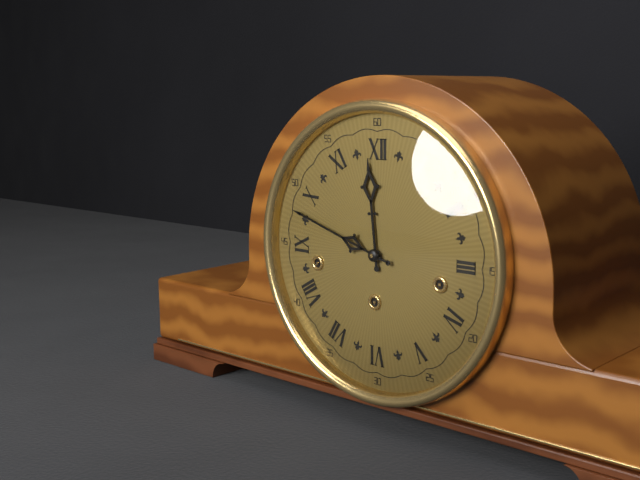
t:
11,48
